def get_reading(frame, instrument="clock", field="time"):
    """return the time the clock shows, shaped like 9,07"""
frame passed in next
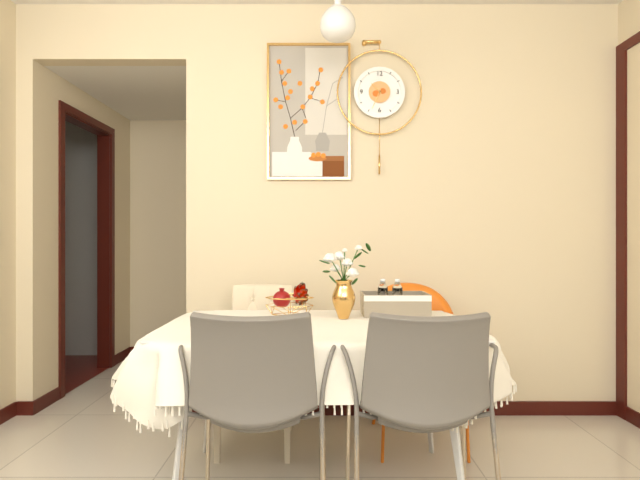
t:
10,34
